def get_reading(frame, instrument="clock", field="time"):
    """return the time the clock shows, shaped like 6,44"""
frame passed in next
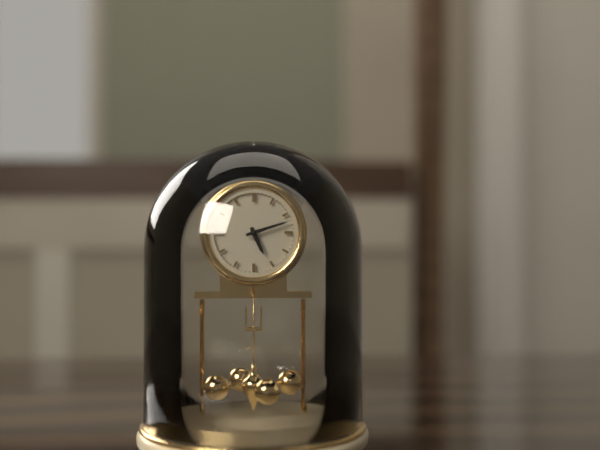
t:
5,12
